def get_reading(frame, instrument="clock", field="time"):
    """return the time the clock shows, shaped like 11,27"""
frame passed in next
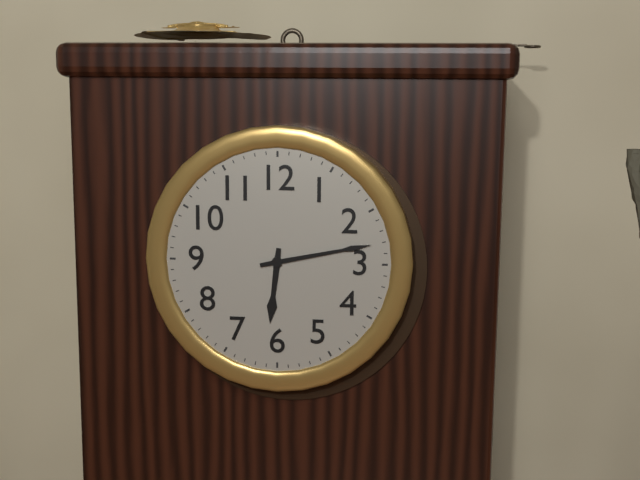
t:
6,13
